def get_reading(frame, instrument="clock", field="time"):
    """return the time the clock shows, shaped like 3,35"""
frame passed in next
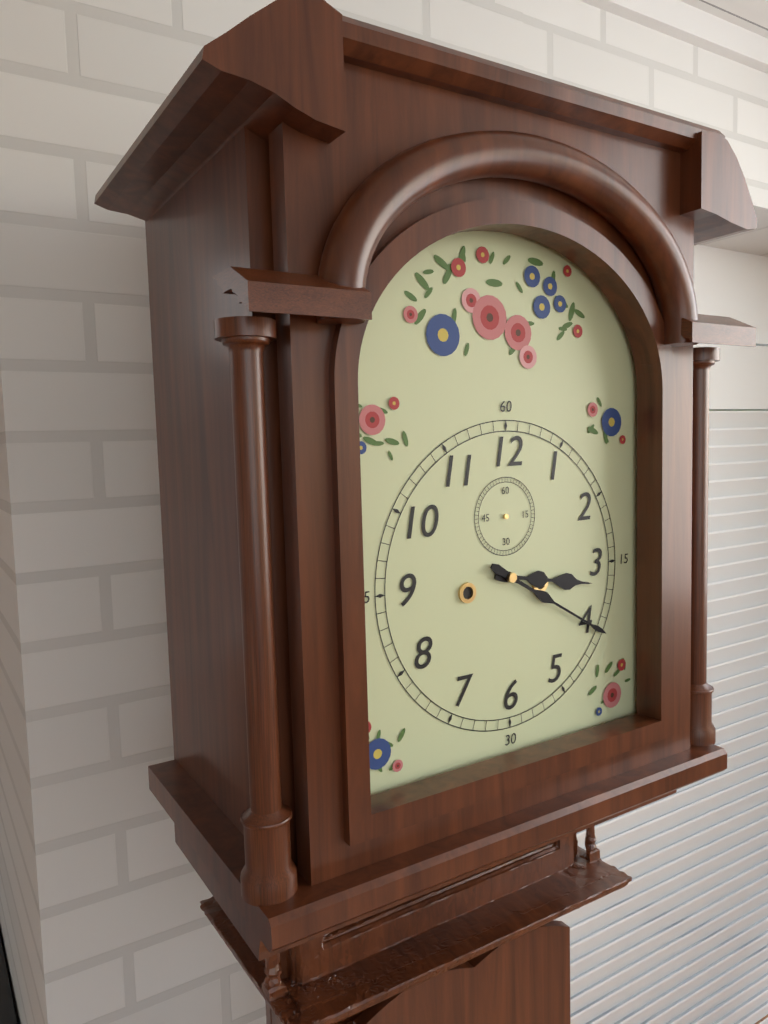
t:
3,20
